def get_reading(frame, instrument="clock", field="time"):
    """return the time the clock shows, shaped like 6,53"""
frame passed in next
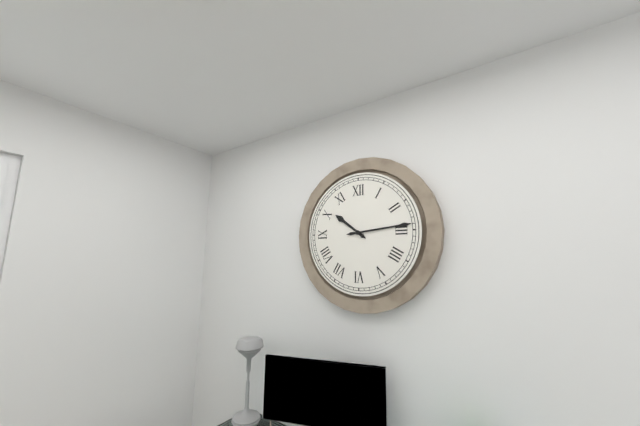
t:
10,14
